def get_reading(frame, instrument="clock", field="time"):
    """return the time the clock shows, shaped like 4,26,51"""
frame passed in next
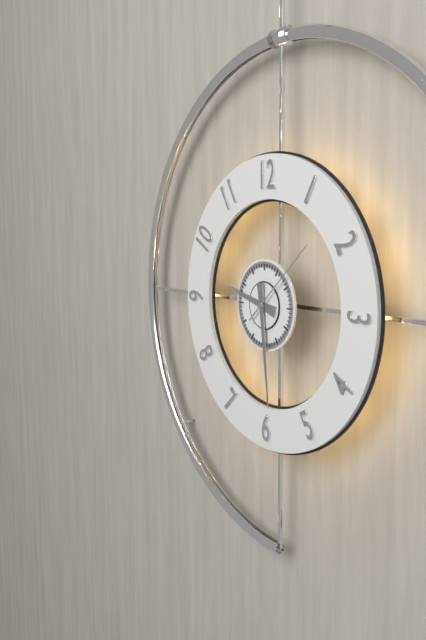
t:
9,29,08
